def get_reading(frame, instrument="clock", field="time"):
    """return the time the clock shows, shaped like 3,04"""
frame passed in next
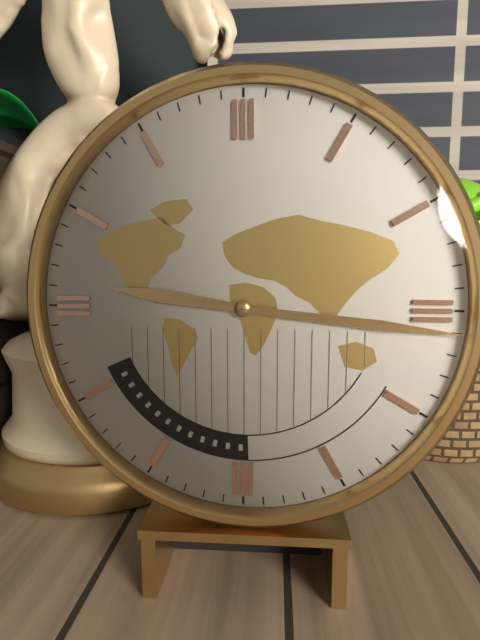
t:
9,16
